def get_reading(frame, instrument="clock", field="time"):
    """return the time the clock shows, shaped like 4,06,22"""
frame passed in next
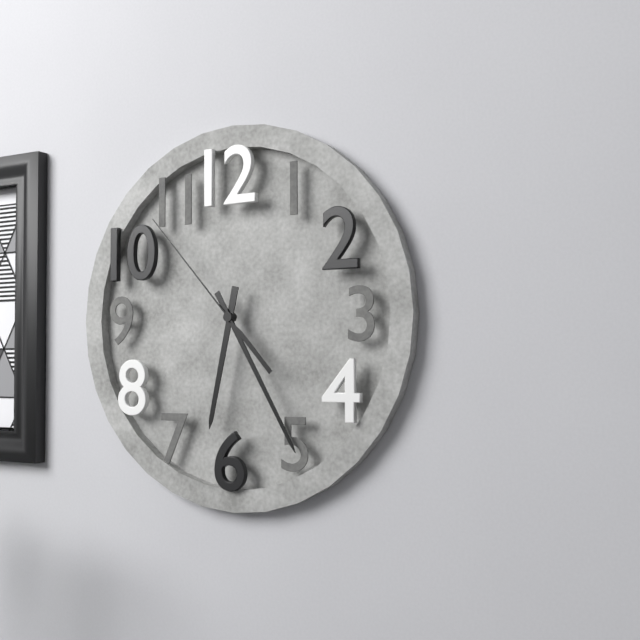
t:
6,25,53
